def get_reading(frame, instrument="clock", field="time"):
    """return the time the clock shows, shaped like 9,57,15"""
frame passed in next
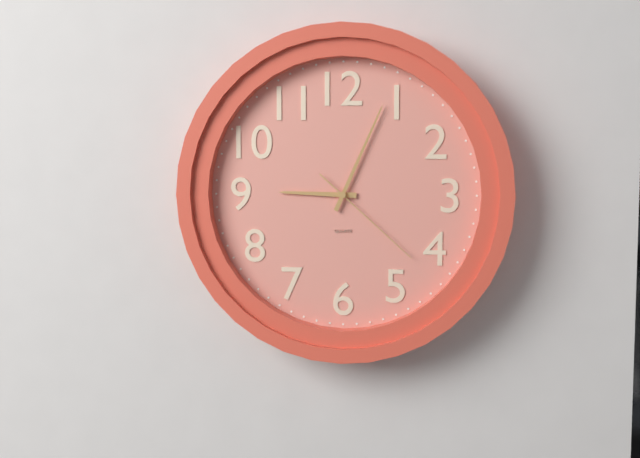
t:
9,04,22
